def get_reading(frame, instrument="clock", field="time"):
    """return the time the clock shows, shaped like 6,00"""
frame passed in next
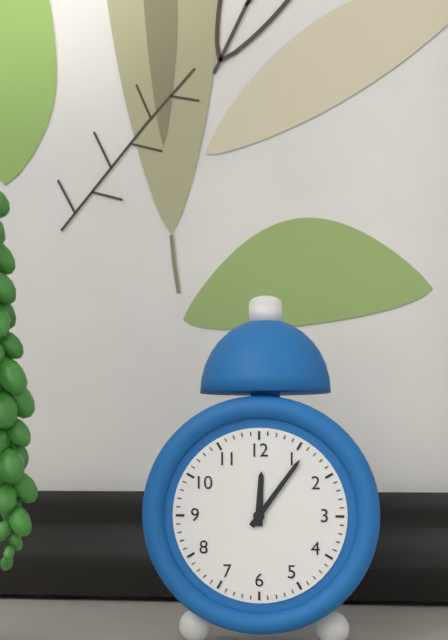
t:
12,06
